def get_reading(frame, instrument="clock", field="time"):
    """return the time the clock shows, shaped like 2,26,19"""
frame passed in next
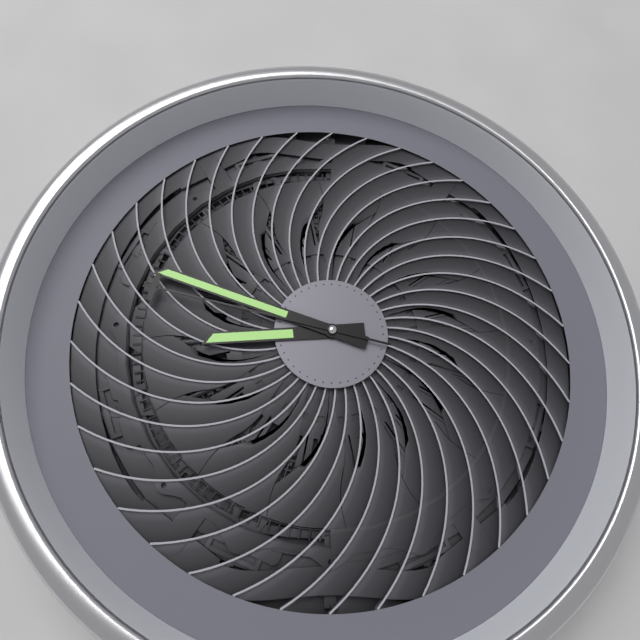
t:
8,48,47
